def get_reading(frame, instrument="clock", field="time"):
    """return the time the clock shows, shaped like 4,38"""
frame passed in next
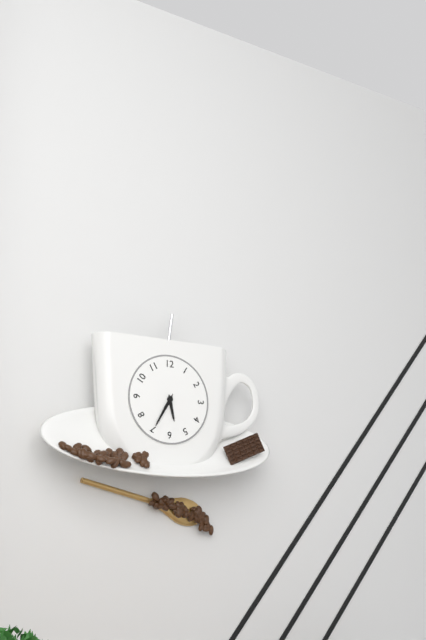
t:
5,35
